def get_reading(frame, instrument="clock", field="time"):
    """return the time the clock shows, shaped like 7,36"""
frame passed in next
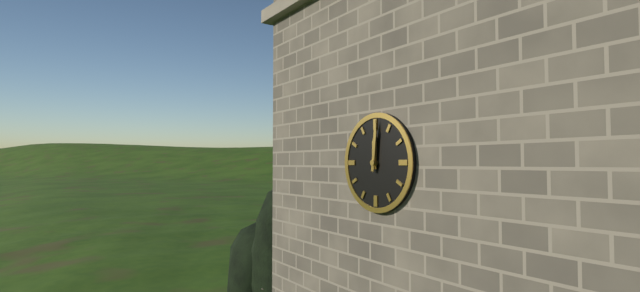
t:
12,01
